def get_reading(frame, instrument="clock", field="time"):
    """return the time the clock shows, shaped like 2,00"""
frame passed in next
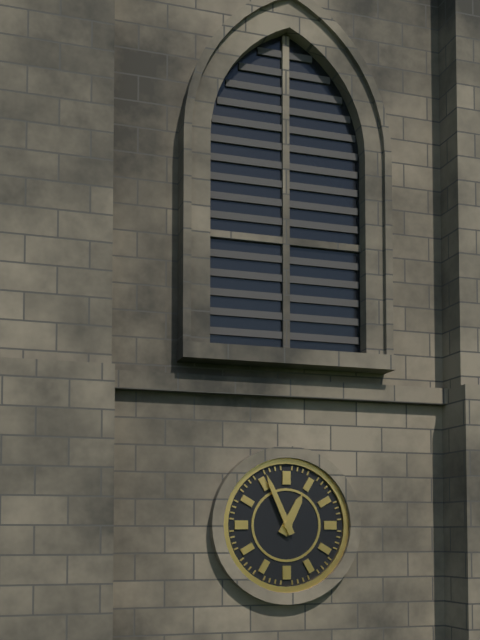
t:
12,56
